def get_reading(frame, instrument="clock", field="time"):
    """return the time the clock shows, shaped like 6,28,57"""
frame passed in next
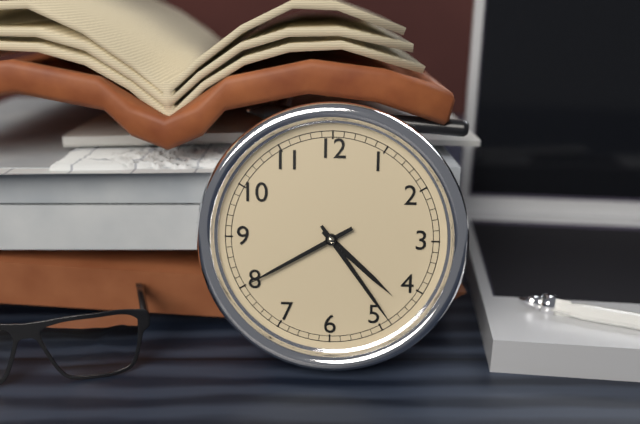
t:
4,24,40
